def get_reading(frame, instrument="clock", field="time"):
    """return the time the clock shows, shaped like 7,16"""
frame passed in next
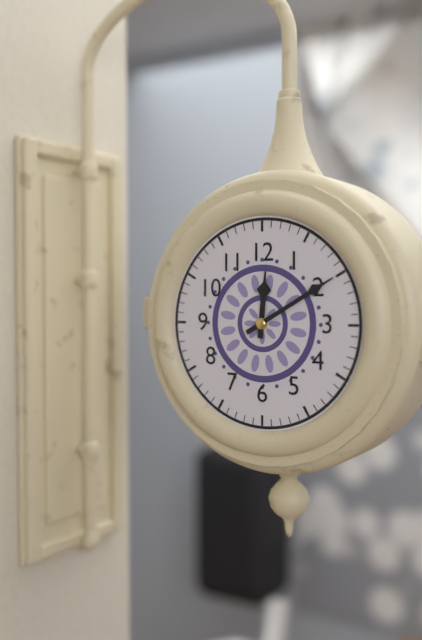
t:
12,10
